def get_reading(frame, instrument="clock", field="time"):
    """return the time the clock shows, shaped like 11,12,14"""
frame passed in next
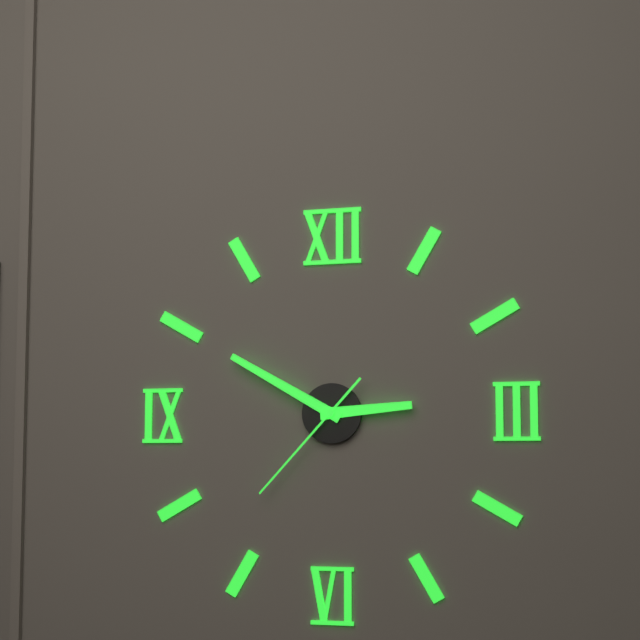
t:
2,50,37
